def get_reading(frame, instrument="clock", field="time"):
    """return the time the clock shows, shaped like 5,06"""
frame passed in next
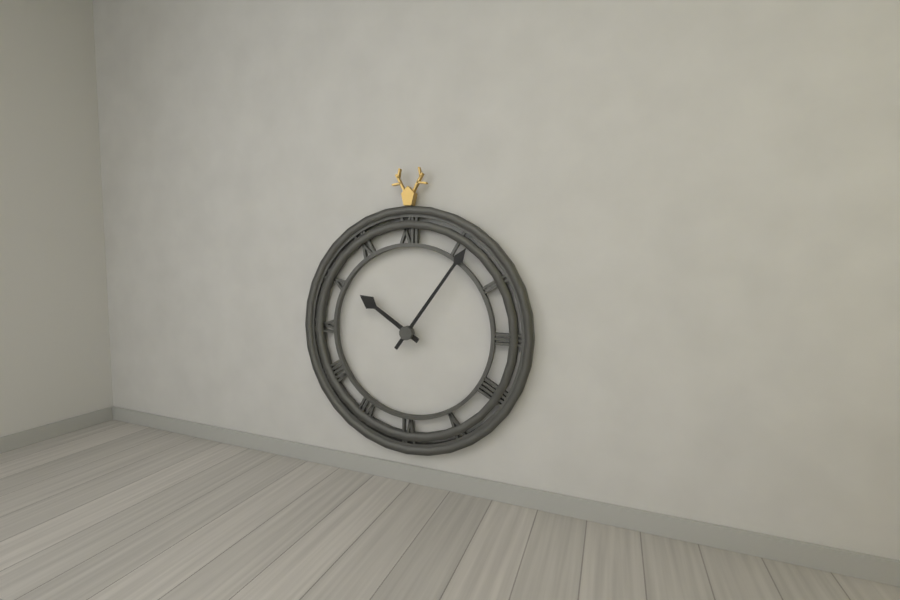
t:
10,06
